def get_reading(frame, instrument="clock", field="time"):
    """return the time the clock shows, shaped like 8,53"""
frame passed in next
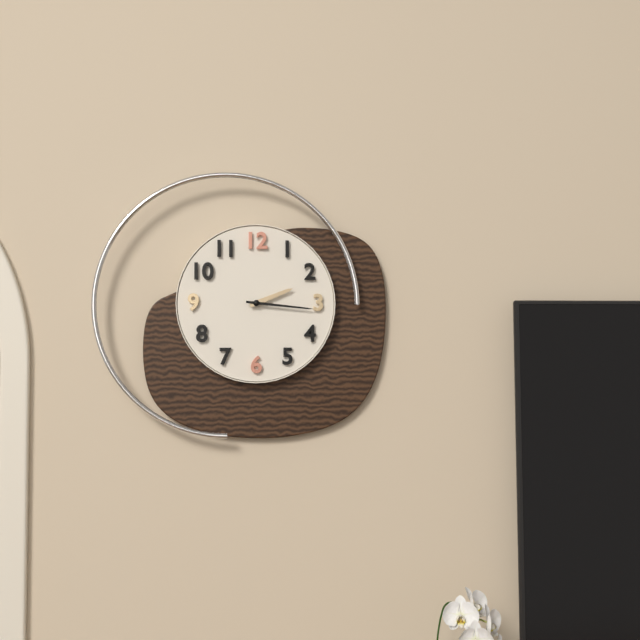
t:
2,16
